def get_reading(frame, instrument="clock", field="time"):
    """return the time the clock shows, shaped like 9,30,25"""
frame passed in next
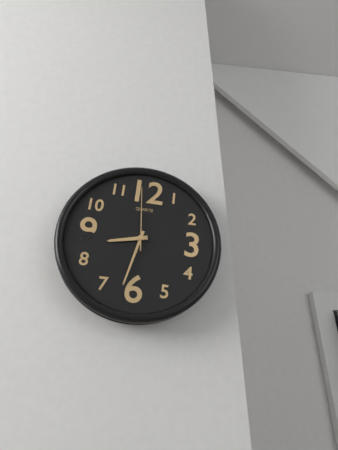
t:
8,32,59
